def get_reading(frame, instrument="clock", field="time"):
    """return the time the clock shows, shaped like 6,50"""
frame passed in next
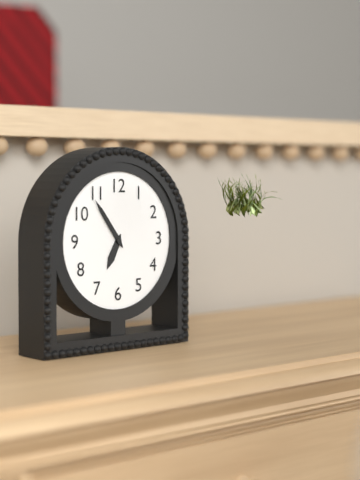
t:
6,54
